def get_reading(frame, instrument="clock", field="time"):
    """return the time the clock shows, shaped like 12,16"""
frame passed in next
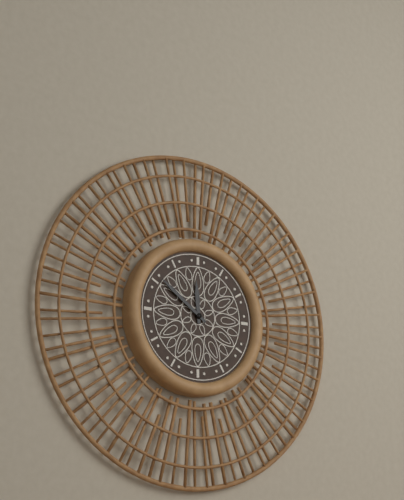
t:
11,51
